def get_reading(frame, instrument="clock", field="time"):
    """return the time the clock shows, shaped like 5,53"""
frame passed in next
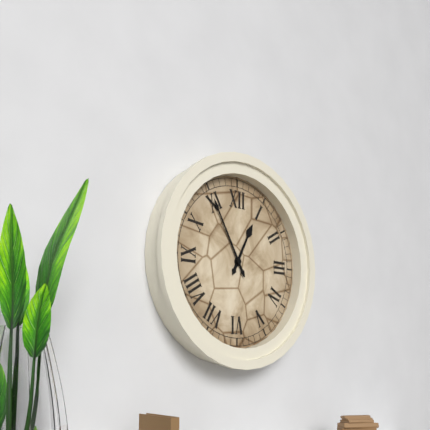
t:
12,55
